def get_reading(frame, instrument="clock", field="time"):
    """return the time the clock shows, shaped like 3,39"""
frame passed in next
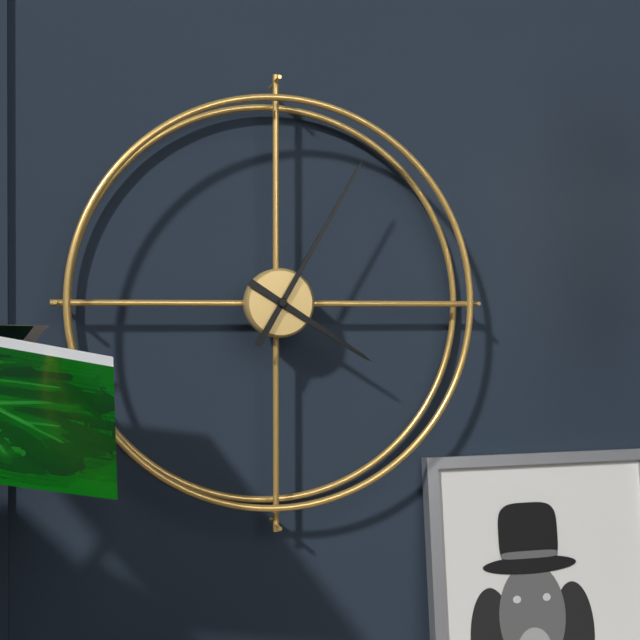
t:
4,05
